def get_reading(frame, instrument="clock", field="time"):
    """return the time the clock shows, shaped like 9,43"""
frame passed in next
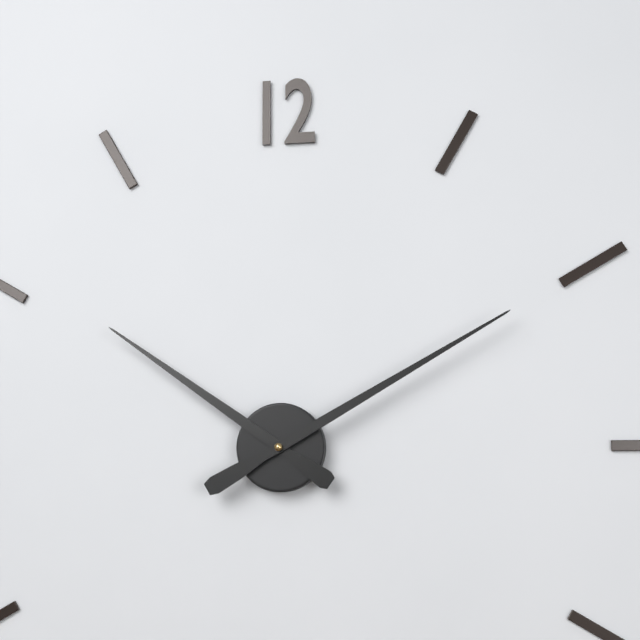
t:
10,10
